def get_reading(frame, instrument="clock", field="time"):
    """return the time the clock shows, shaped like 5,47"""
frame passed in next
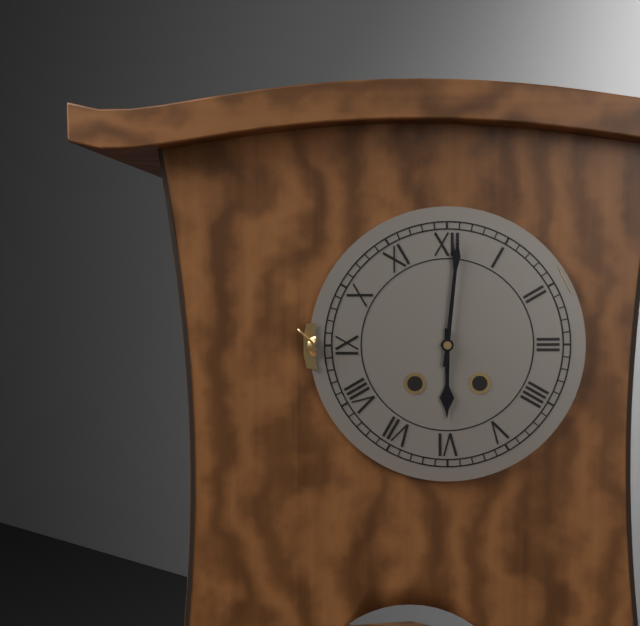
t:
6,01
